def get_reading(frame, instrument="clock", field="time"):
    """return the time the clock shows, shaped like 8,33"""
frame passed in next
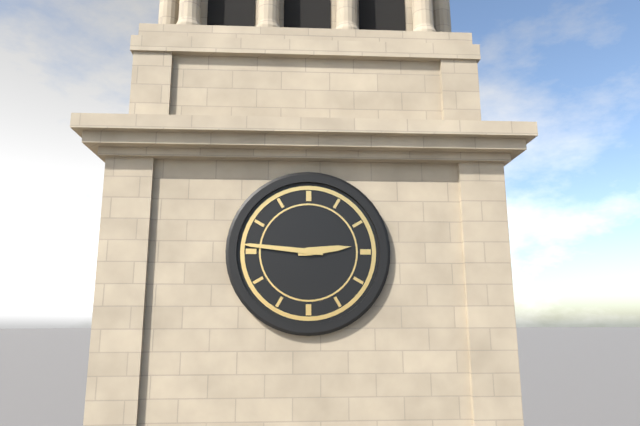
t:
2,46
